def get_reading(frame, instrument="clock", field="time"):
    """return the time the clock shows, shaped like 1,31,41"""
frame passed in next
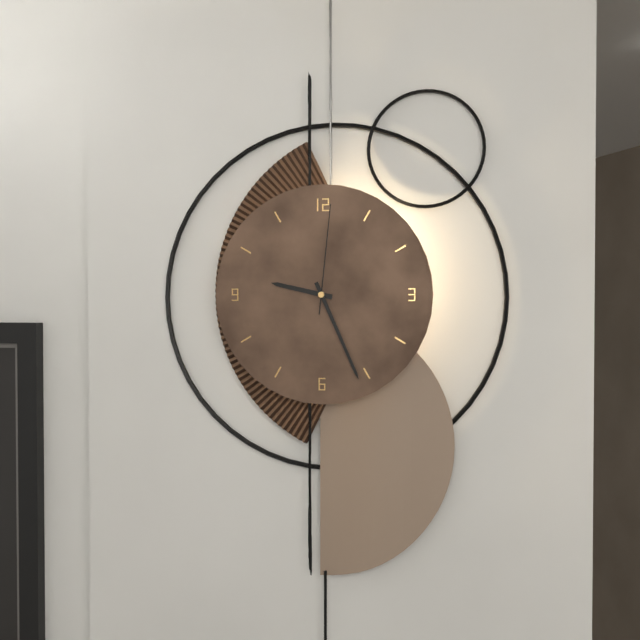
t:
9,26,01
